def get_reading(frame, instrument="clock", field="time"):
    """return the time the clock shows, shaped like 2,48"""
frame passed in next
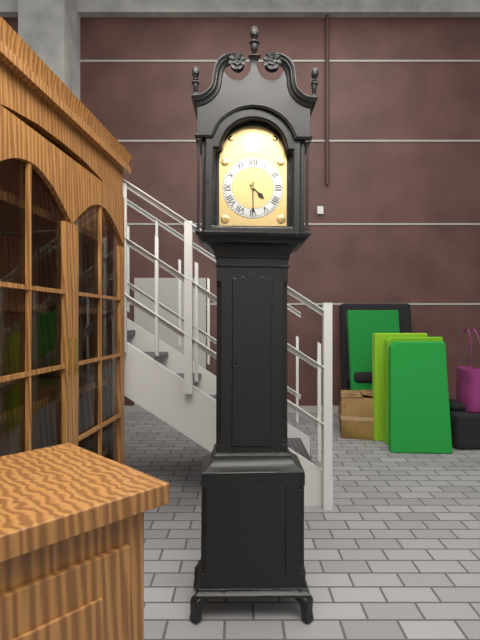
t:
4,30
